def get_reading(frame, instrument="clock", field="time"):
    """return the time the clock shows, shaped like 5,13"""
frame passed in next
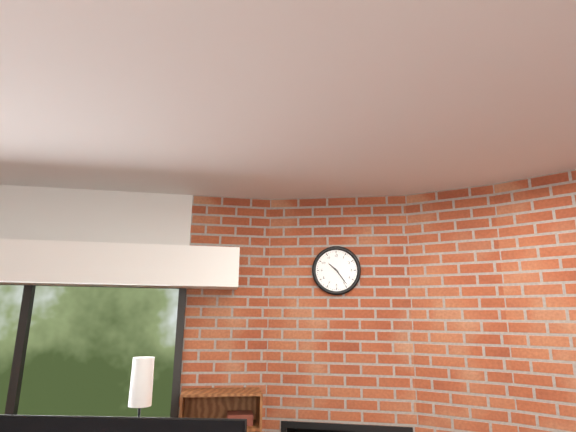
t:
10,24
